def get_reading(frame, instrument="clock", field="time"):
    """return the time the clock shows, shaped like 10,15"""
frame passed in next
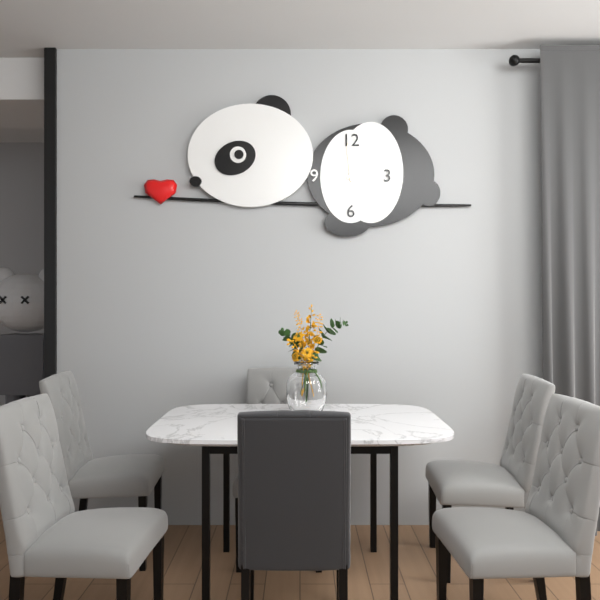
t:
1,59
